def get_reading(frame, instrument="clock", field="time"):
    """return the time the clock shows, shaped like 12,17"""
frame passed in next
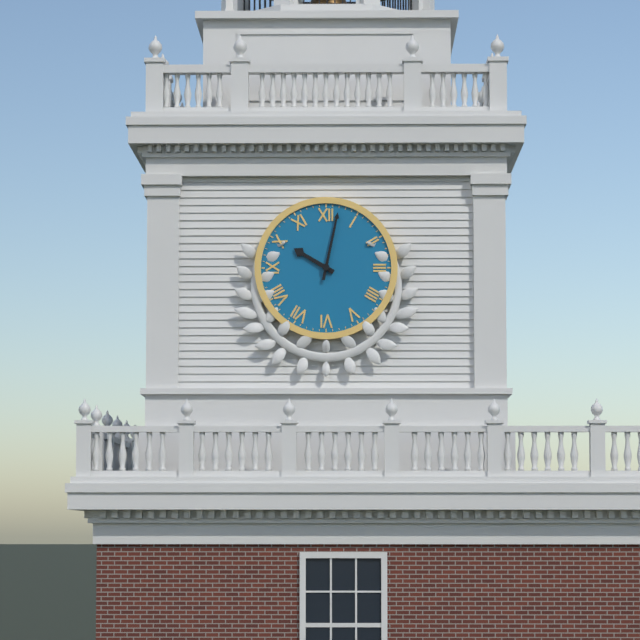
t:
10,02
